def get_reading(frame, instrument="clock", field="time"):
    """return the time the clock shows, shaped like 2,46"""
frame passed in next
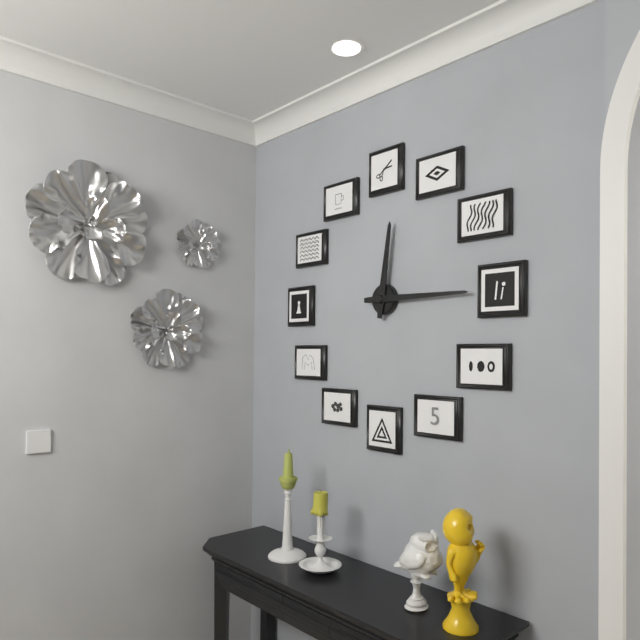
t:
12,15
